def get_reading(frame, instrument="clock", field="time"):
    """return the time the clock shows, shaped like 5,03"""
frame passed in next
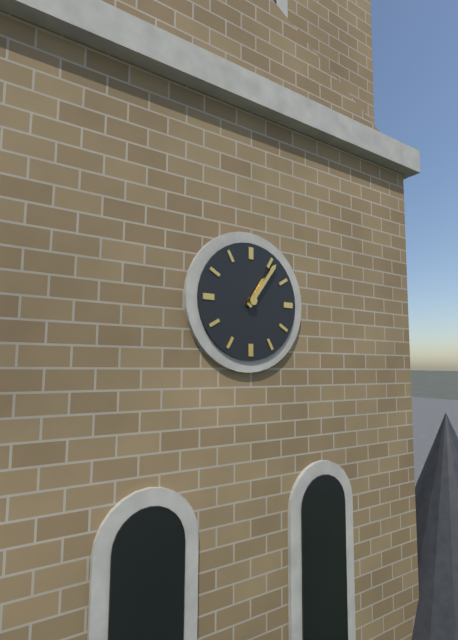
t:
1,06
